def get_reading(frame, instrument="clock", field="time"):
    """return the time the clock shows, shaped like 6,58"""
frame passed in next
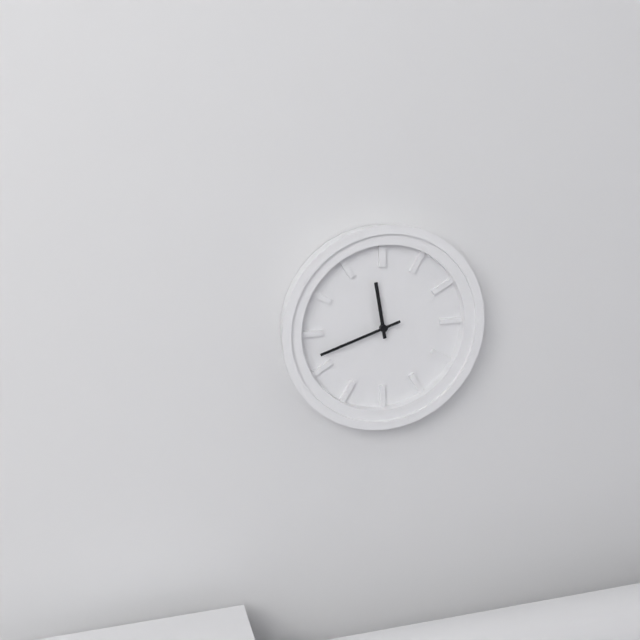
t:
11,42
